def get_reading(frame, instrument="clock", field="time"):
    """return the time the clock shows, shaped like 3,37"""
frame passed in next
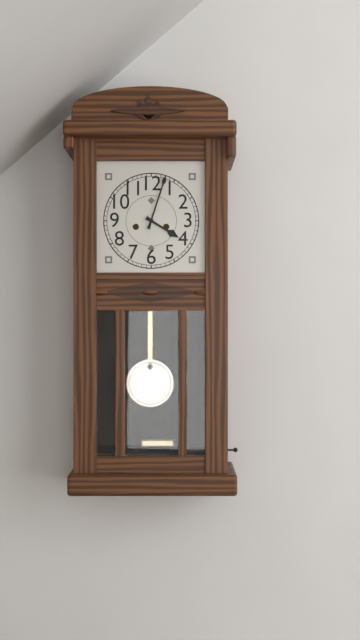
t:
4,03
